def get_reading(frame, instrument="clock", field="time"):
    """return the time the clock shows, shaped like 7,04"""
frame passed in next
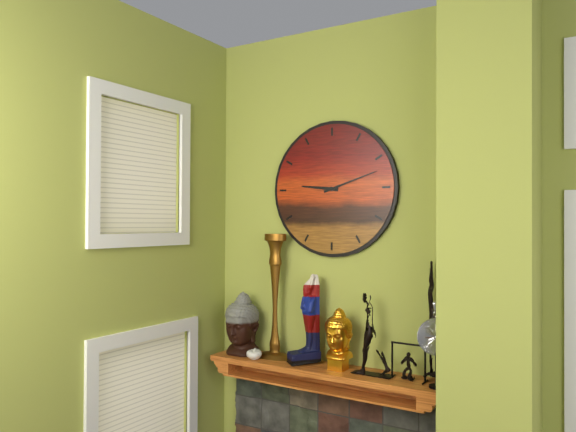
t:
9,12
